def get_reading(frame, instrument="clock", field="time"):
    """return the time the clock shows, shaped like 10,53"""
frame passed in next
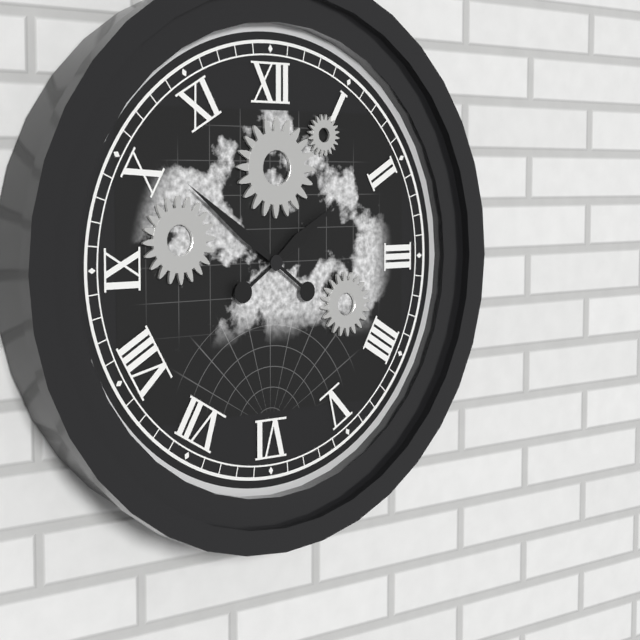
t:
1,51
